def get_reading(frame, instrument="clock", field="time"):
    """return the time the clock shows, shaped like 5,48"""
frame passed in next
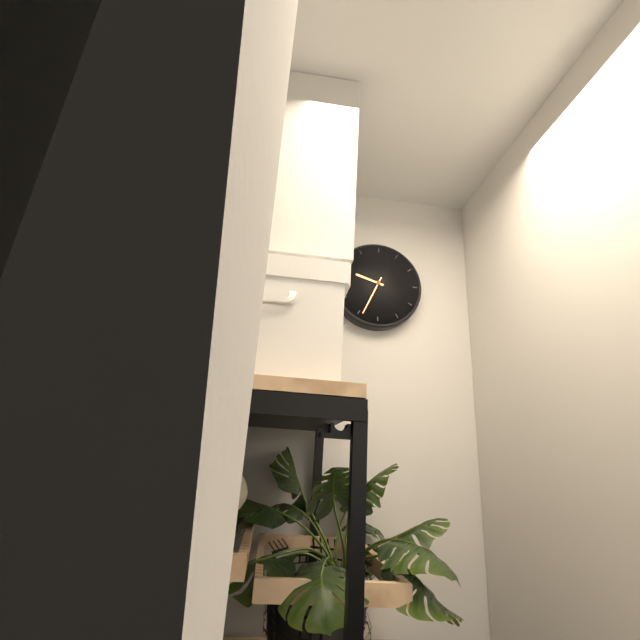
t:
9,34
